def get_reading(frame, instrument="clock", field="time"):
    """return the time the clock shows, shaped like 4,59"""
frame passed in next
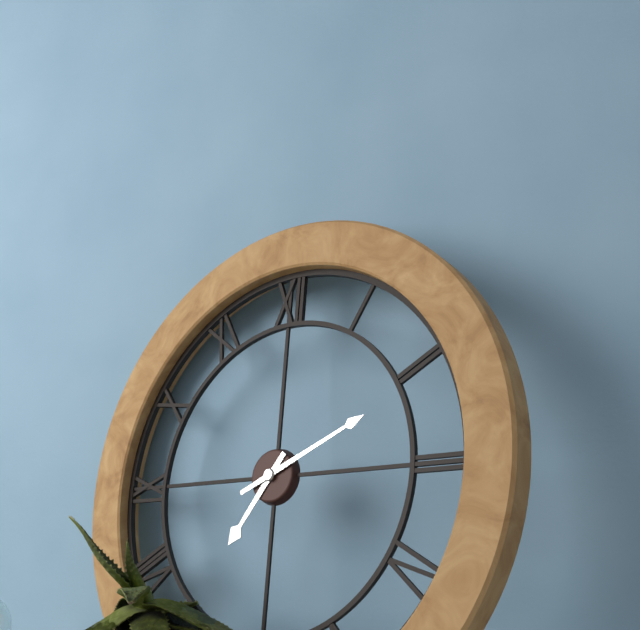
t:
7,11
